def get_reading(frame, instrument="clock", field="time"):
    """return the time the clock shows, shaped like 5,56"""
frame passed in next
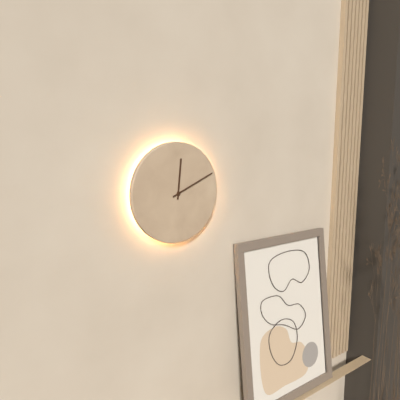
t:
12,11
